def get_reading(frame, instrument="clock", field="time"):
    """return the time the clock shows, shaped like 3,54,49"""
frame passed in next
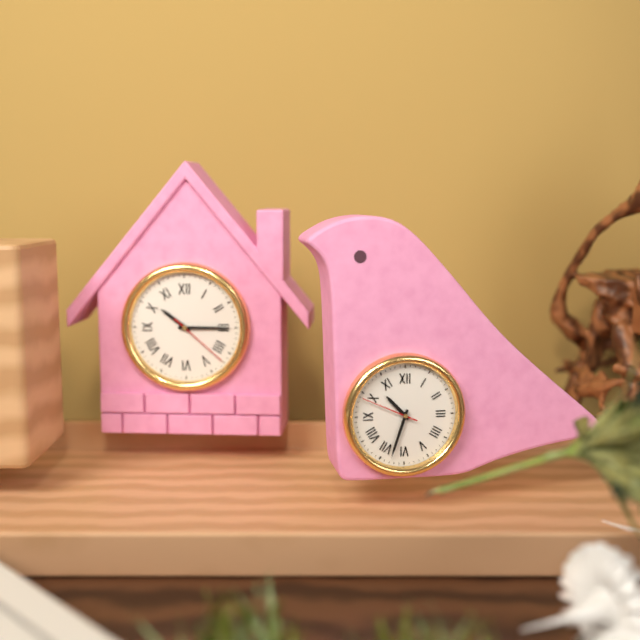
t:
10,33,49
